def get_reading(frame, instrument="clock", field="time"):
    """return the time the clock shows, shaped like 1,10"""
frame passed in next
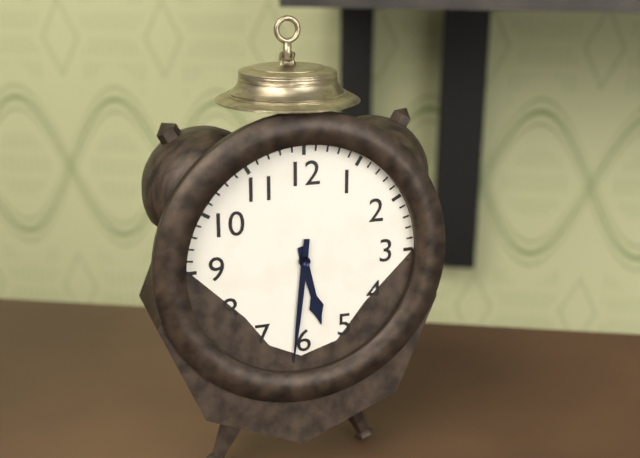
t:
5,31
